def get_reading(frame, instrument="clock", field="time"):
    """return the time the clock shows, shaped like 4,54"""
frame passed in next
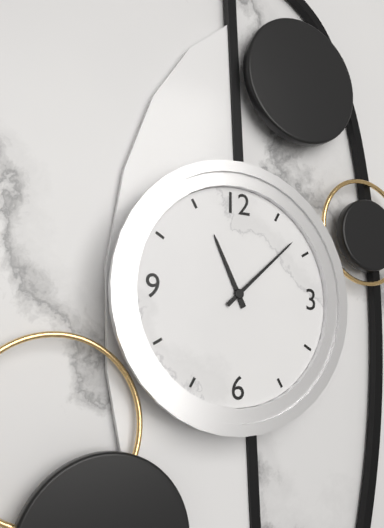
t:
11,08
